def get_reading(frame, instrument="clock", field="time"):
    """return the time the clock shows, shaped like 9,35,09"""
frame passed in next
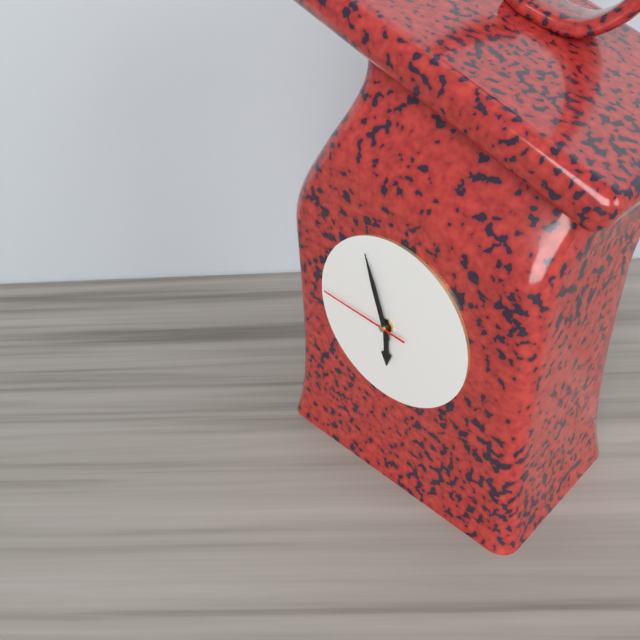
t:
5,57,46
